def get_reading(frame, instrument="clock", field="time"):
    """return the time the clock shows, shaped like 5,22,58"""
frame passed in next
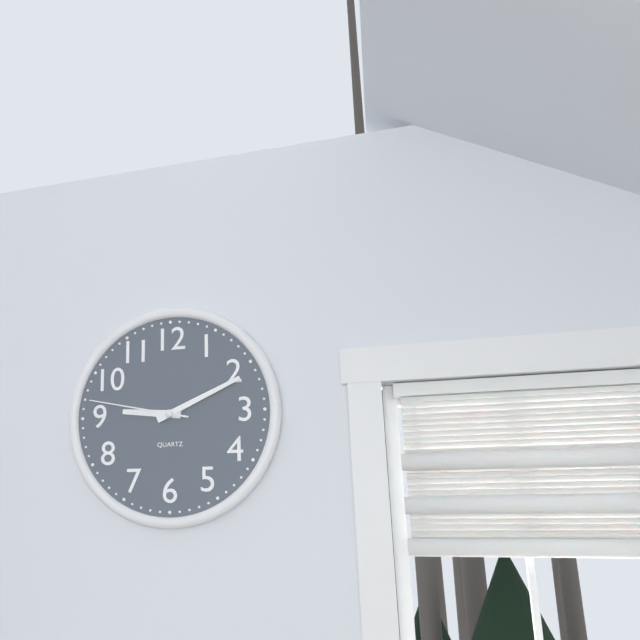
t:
9,11,47
